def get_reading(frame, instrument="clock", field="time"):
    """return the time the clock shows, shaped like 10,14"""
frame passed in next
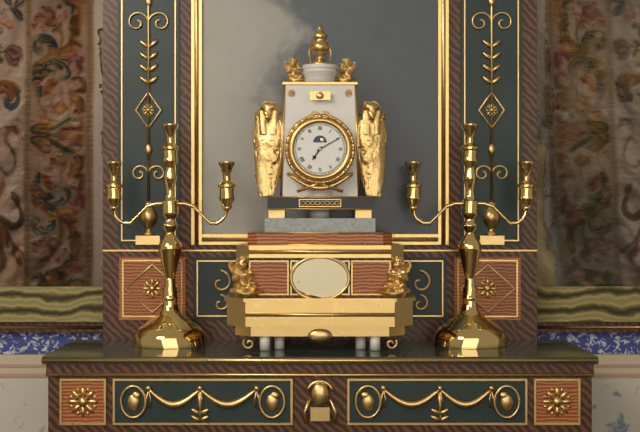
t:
7,10
